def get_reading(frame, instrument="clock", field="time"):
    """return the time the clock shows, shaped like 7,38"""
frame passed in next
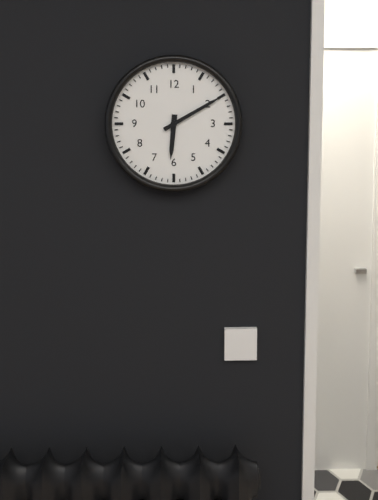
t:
6,10
